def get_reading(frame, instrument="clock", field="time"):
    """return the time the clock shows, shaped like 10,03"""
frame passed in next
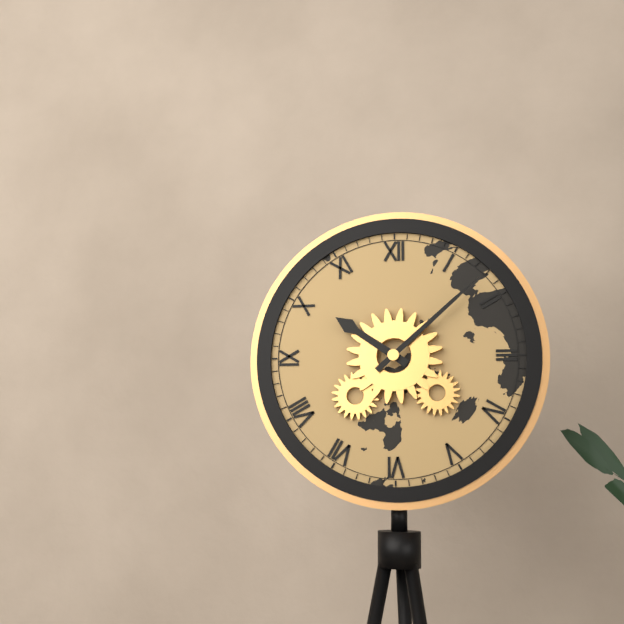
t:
10,08
